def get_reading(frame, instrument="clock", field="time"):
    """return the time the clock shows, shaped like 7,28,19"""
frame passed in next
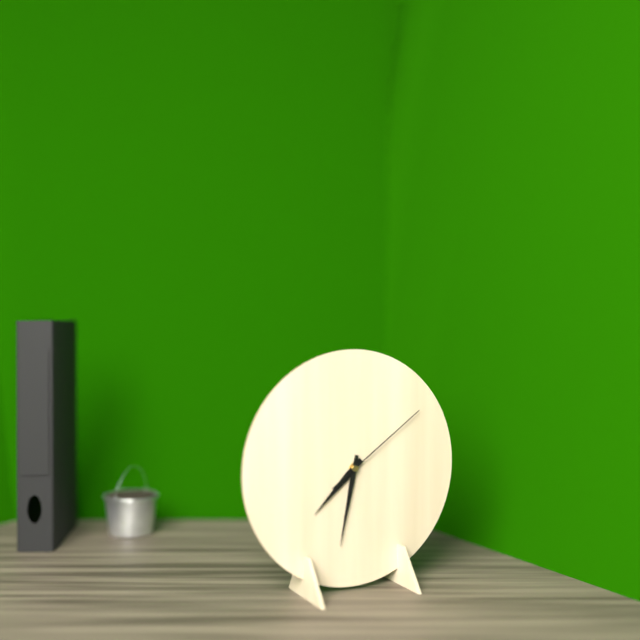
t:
7,32,09
